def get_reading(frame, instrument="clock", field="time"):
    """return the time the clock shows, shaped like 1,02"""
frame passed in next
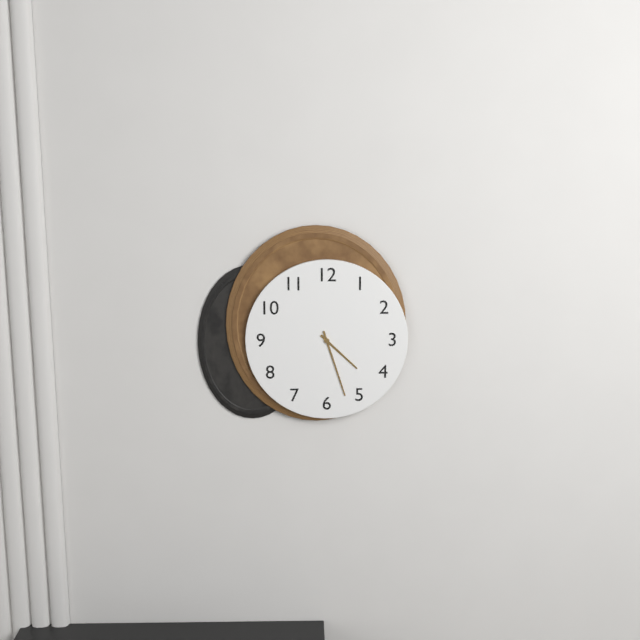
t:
4,27
